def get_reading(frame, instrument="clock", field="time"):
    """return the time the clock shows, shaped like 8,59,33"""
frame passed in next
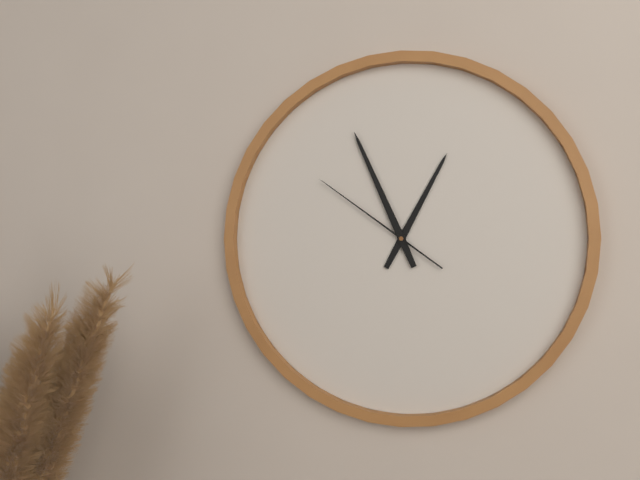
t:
12,56,51
